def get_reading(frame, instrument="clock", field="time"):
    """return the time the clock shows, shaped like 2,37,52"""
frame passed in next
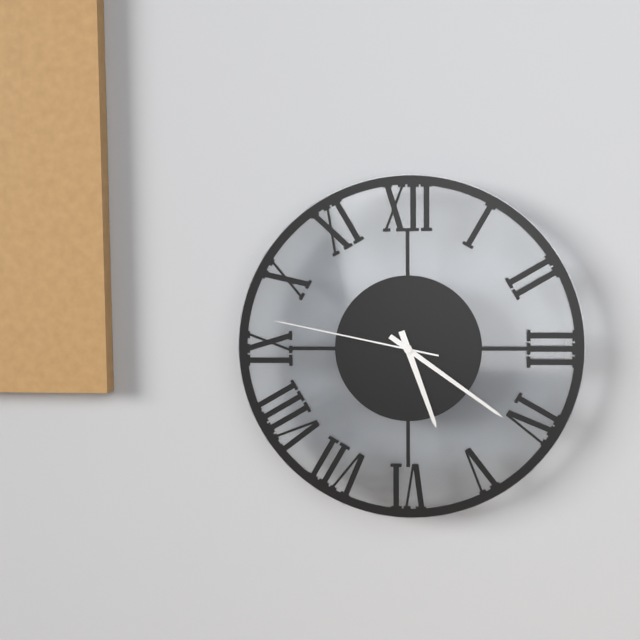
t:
5,21,47
